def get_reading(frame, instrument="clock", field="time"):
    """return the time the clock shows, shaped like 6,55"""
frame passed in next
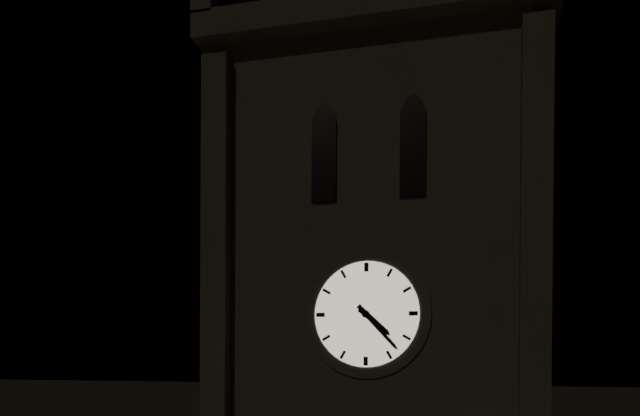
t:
4,23
